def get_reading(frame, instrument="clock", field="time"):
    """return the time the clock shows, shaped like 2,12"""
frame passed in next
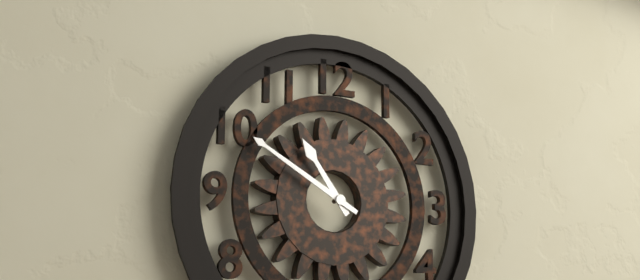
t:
10,50
